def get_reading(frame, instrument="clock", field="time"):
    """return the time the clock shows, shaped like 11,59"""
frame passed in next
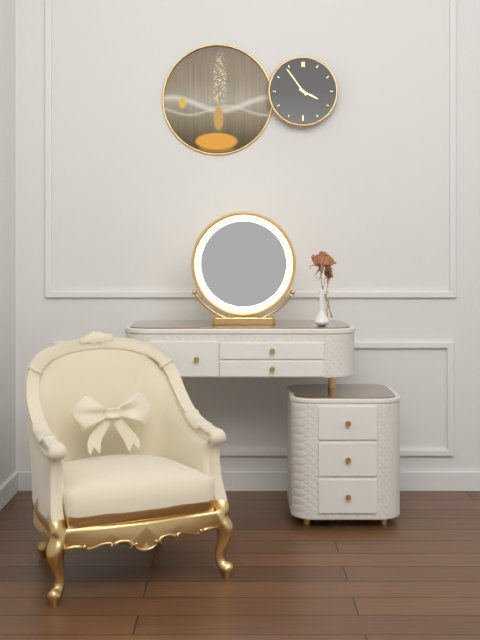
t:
3,54
